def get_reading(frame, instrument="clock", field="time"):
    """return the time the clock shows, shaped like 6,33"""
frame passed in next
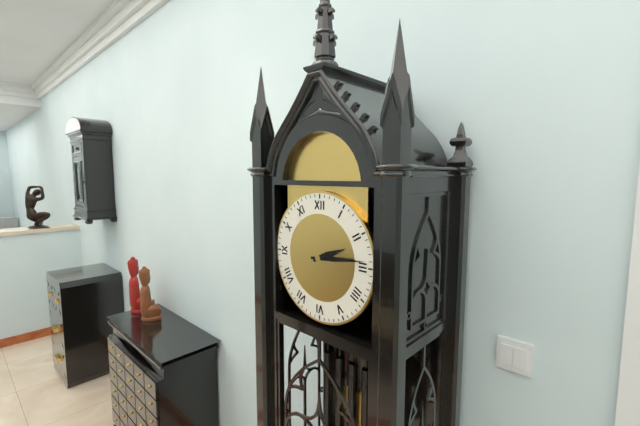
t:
2,14
